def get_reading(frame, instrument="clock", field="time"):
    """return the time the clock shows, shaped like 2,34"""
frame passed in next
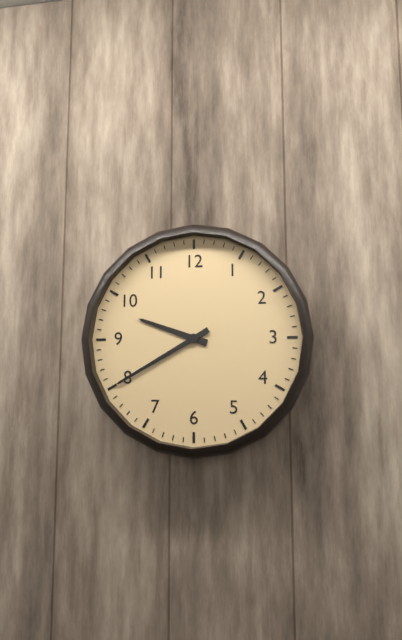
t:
9,40
